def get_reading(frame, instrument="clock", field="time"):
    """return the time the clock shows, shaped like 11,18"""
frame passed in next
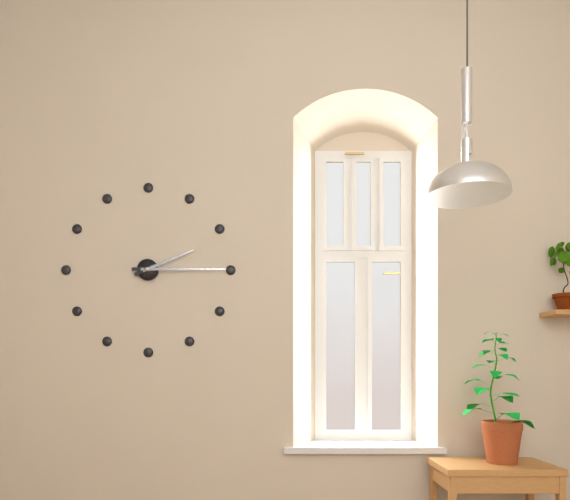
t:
2,15
